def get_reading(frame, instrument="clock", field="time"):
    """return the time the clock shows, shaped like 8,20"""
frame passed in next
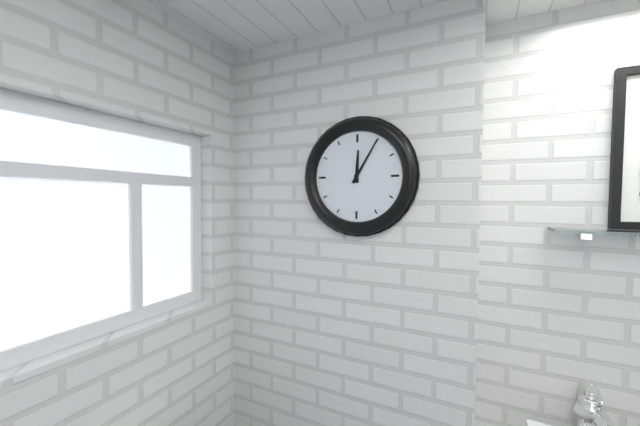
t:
12,05
